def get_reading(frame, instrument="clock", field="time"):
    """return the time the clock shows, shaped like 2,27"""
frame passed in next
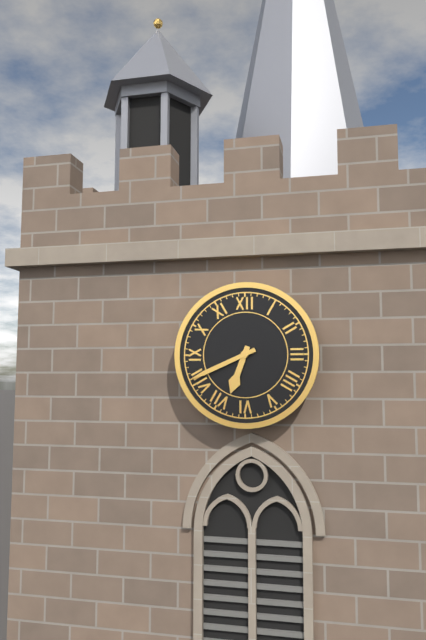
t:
6,41
